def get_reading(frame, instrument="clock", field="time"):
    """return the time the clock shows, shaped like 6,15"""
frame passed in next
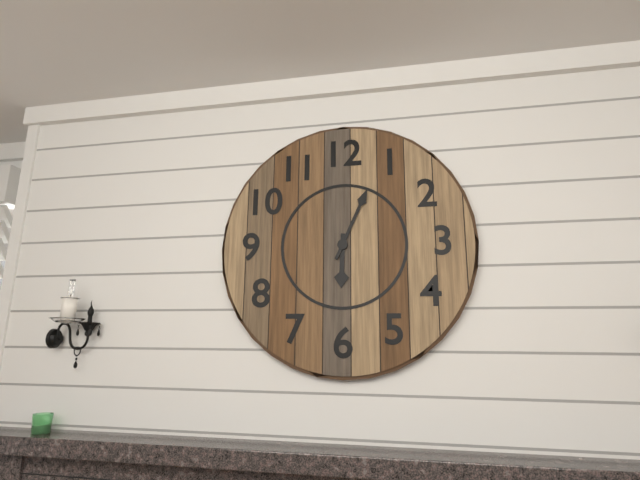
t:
6,04
